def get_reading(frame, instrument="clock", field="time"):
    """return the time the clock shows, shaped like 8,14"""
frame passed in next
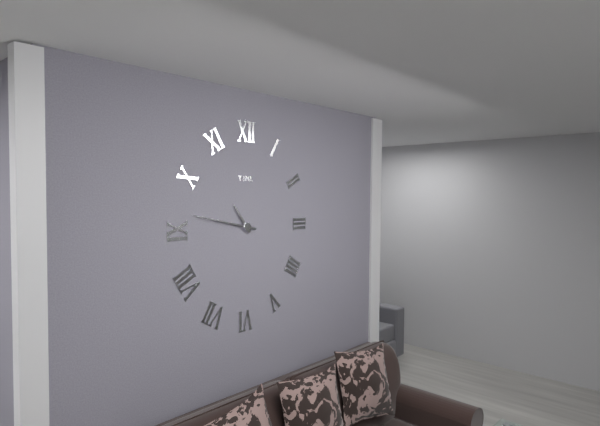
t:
10,47
